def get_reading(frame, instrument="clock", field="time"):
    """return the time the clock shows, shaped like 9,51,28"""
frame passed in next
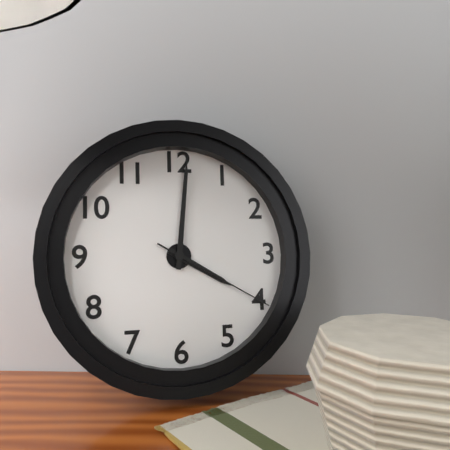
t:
4,01,20
